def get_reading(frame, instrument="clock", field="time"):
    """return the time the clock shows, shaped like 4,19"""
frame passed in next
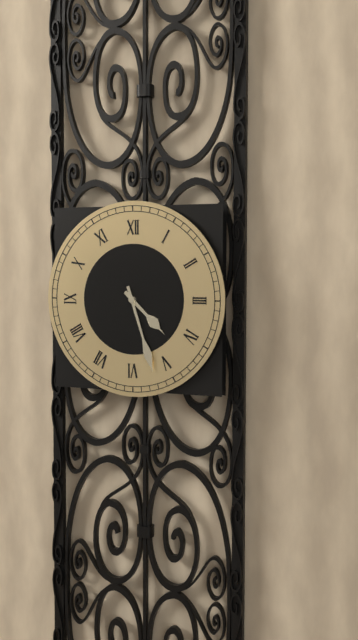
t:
4,27
